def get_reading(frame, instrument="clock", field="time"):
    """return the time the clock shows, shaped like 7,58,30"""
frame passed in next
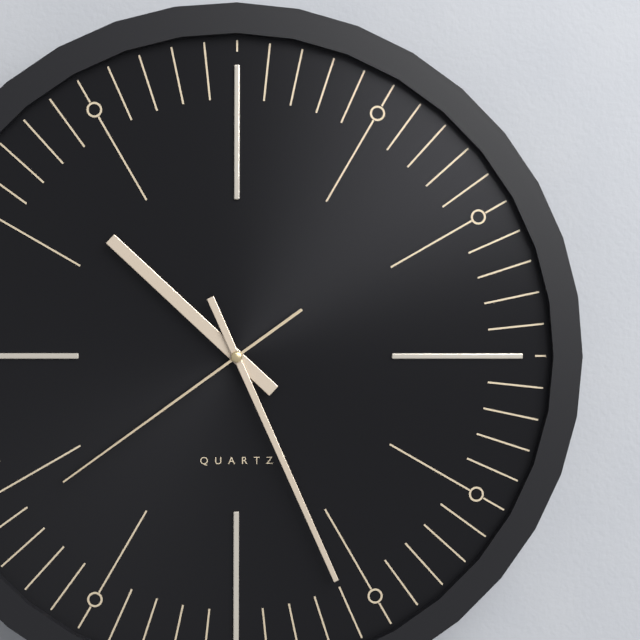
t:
10,26,39
